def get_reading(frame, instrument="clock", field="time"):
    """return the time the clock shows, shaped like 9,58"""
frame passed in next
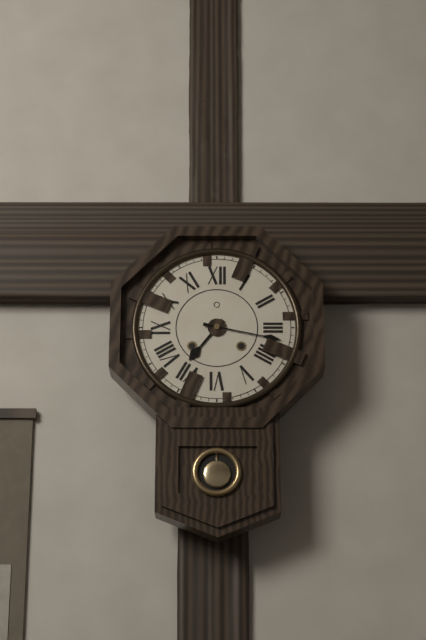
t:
7,17
